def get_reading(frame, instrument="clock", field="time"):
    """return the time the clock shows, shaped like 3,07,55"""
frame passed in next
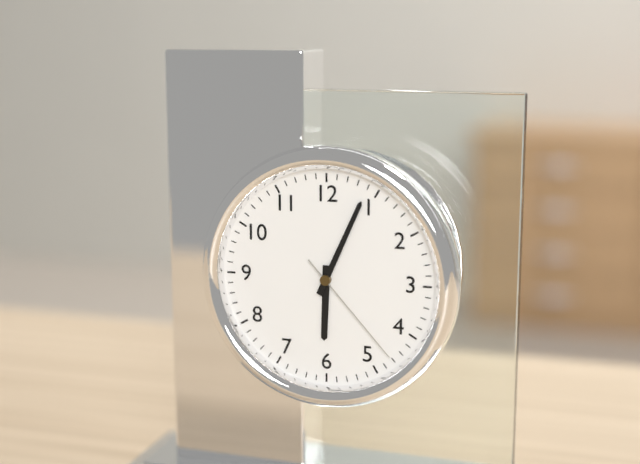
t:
6,04,23
